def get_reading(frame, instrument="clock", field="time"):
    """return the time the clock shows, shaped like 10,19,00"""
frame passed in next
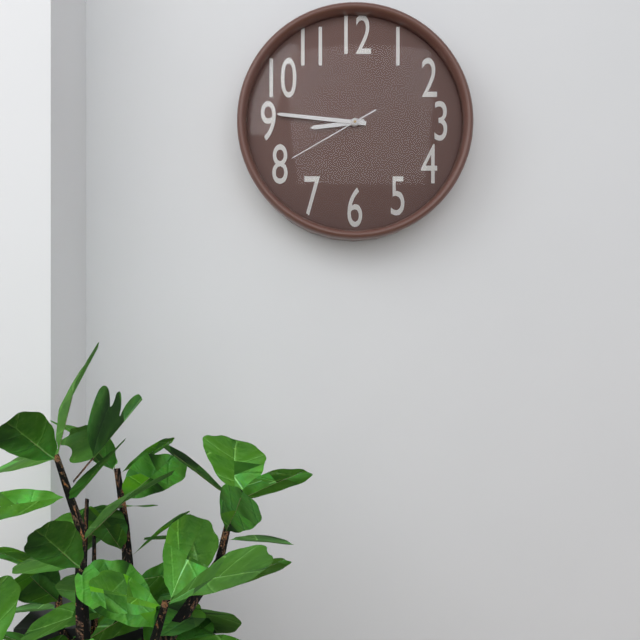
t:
8,46,40
